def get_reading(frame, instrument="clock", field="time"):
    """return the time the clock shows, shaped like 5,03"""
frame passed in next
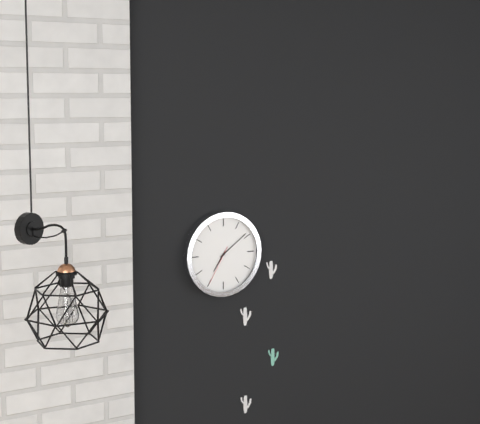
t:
7,09
